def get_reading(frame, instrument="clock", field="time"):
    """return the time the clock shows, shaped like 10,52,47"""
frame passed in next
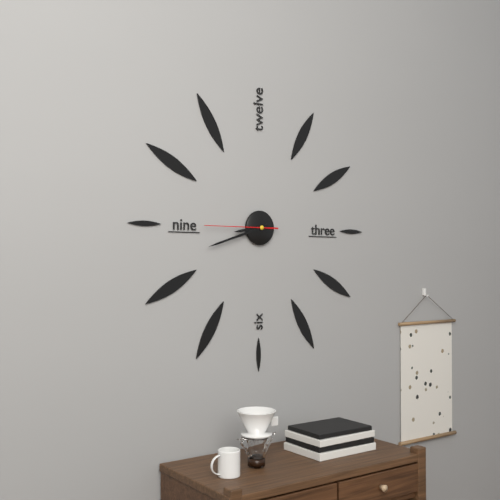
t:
8,42,45
